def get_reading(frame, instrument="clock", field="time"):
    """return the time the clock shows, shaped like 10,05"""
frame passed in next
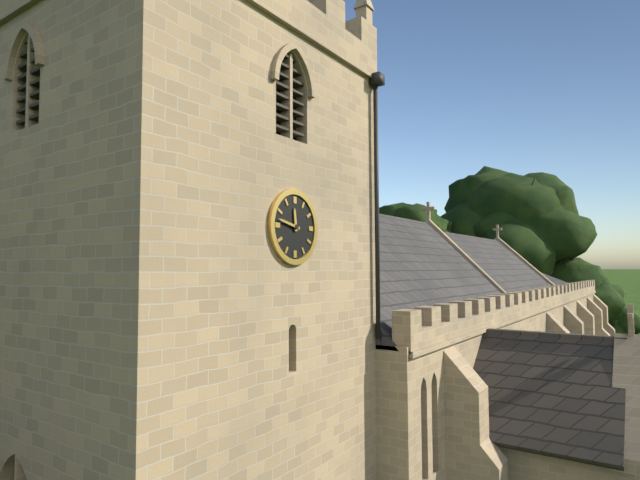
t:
11,47
